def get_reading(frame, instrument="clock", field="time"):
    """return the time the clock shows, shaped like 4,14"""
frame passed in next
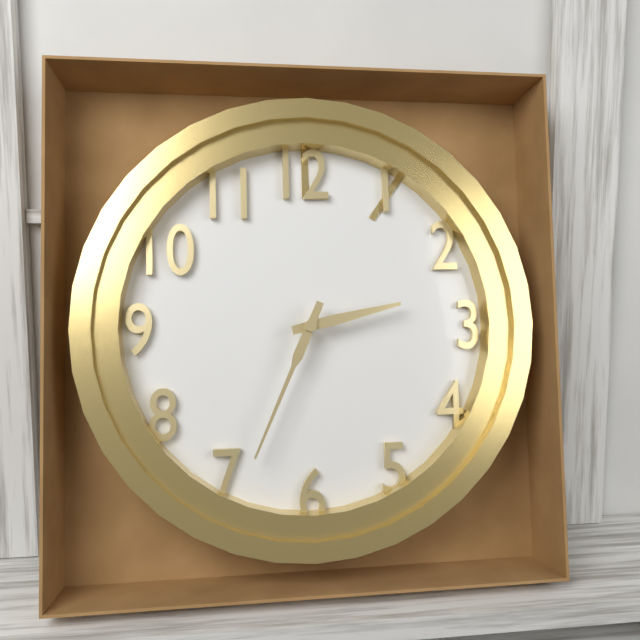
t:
2,34
